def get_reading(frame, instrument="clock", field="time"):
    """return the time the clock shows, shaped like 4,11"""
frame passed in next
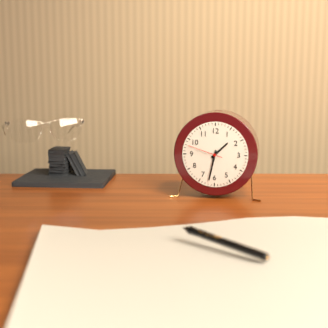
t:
1,32
